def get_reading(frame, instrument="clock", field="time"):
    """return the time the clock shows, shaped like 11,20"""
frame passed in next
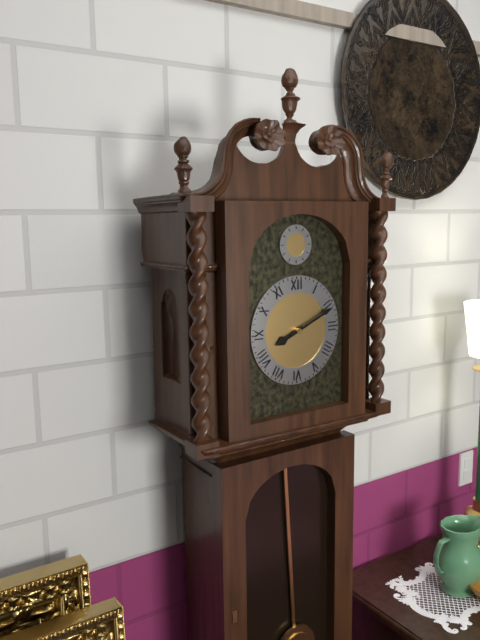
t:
8,11
